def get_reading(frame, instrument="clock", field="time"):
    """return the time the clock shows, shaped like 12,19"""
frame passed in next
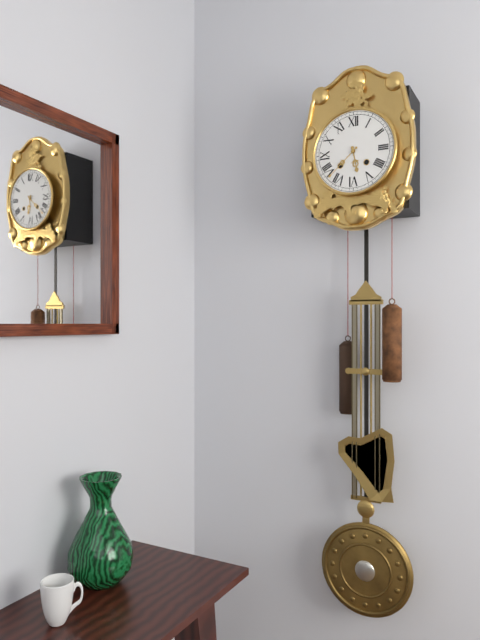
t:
5,38
